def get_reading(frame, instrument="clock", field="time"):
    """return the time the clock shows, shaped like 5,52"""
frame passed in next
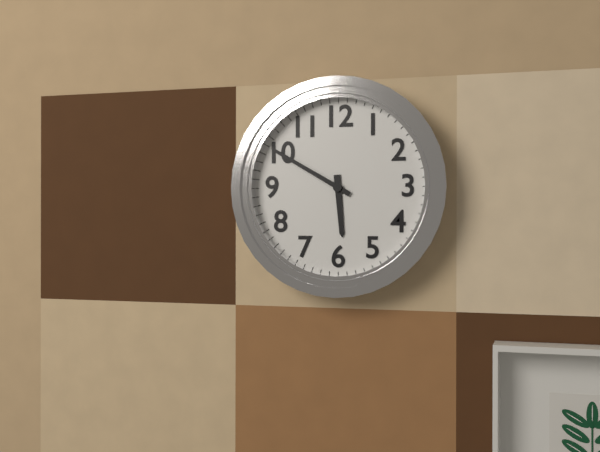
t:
5,50
